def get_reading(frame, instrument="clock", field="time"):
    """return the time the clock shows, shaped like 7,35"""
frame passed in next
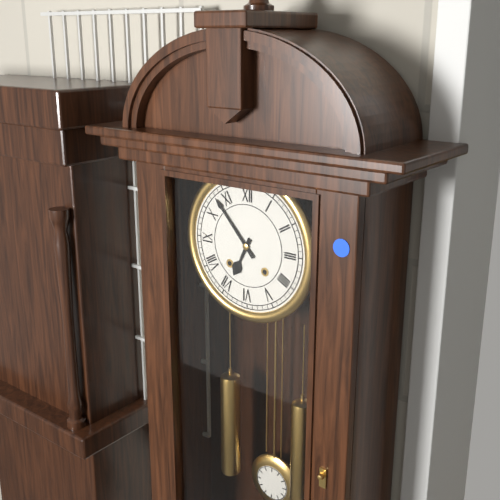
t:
6,53
